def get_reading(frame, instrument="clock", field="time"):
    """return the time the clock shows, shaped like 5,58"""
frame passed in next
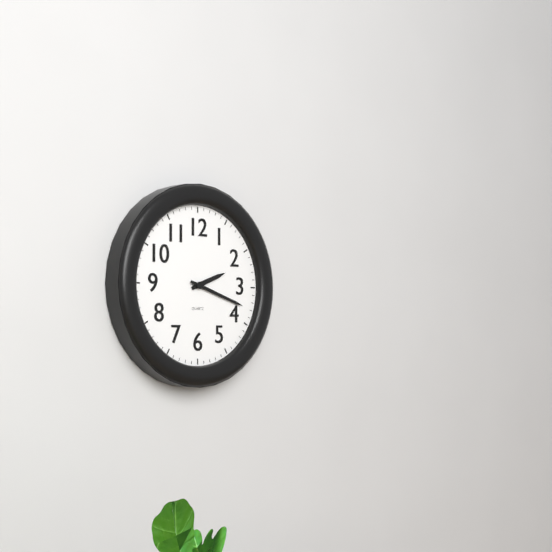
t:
2,18
